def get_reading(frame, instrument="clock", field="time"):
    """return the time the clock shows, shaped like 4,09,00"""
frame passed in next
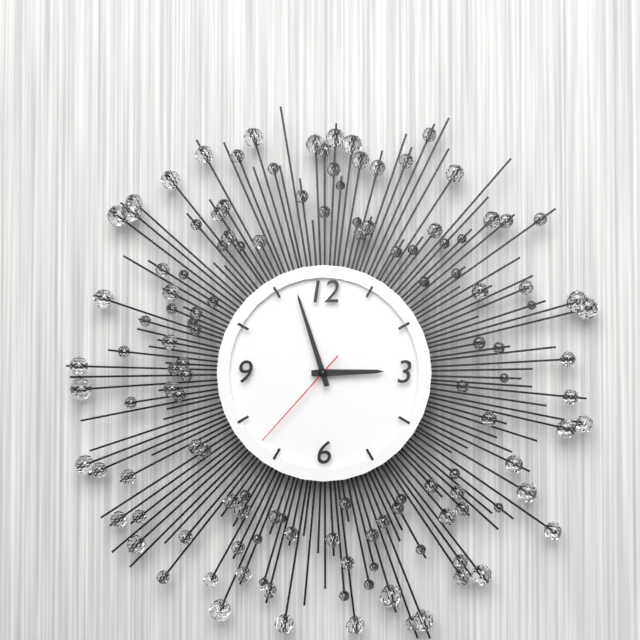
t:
2,57,37
